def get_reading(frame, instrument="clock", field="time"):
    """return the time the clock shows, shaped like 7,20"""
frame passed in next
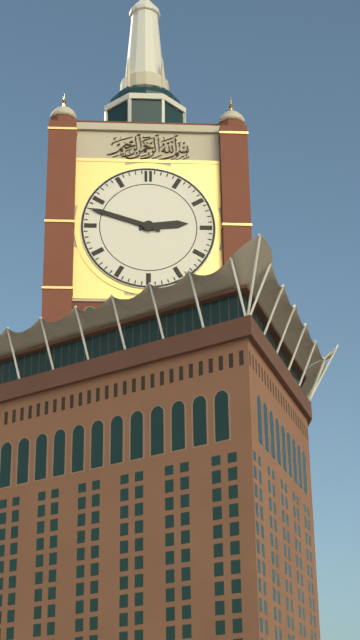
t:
2,48
